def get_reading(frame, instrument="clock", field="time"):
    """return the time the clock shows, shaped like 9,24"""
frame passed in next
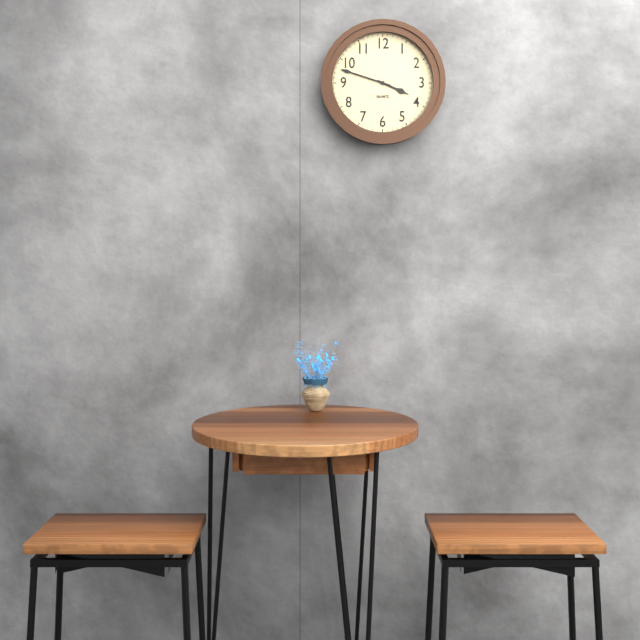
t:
3,48
